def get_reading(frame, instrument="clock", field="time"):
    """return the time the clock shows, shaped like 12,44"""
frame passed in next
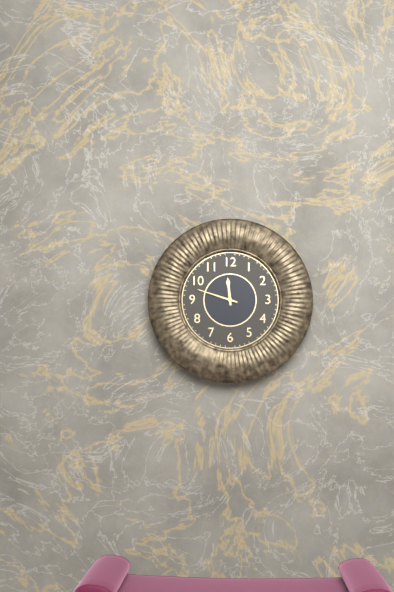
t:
11,48
